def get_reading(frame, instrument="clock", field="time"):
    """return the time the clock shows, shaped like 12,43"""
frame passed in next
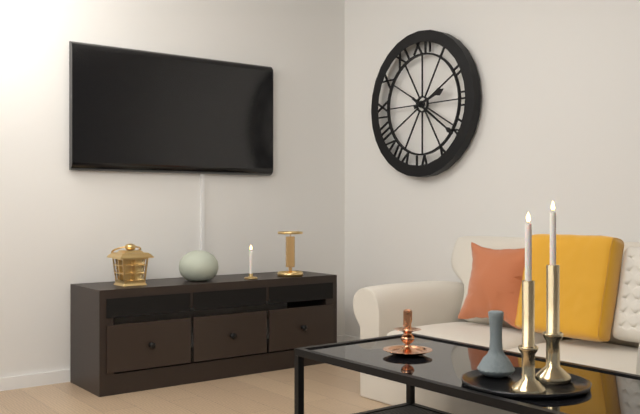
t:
2,21
